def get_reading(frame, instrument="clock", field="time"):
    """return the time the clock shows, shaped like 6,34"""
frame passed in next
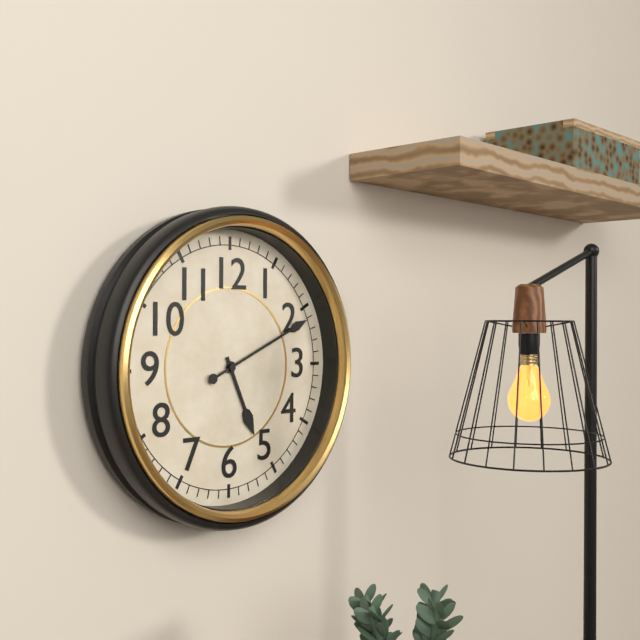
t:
5,11
